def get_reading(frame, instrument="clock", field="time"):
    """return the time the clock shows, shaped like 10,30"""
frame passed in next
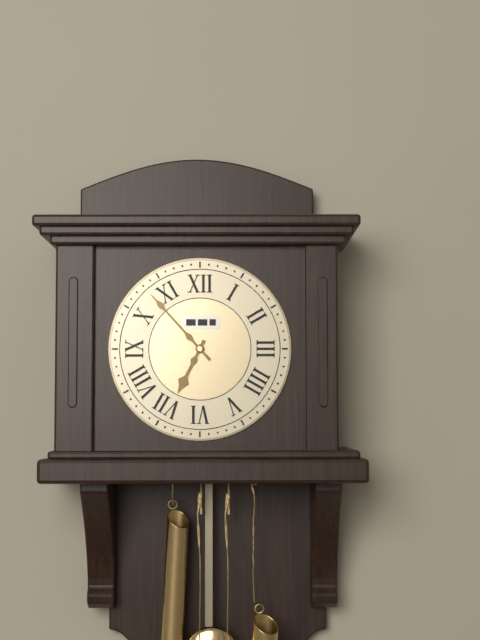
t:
6,53
